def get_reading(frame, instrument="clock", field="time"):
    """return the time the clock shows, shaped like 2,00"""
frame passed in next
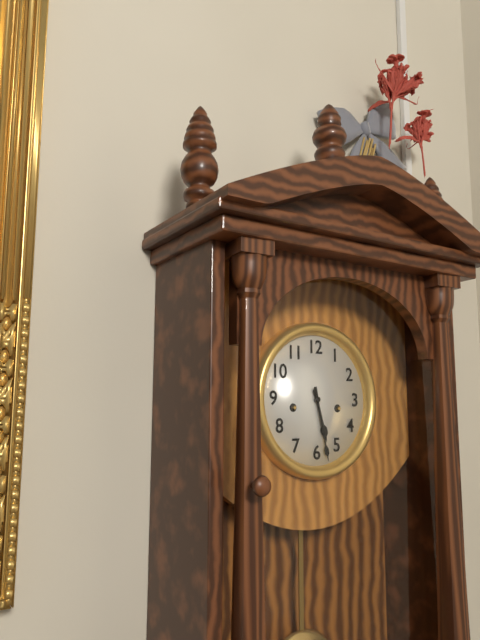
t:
5,28
